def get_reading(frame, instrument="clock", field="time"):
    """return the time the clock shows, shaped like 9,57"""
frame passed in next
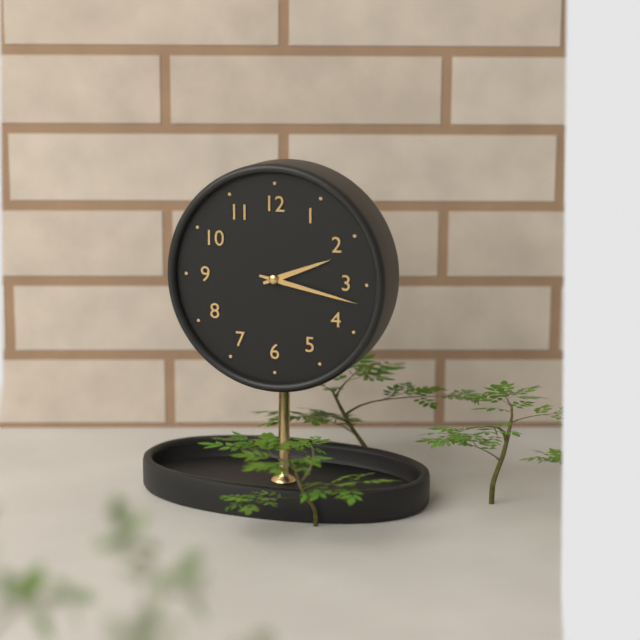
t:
2,17
